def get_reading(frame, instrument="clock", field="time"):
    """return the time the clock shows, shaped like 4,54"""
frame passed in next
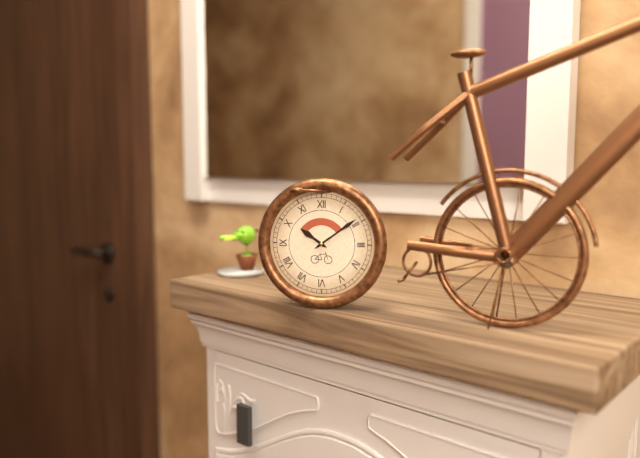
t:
10,09
